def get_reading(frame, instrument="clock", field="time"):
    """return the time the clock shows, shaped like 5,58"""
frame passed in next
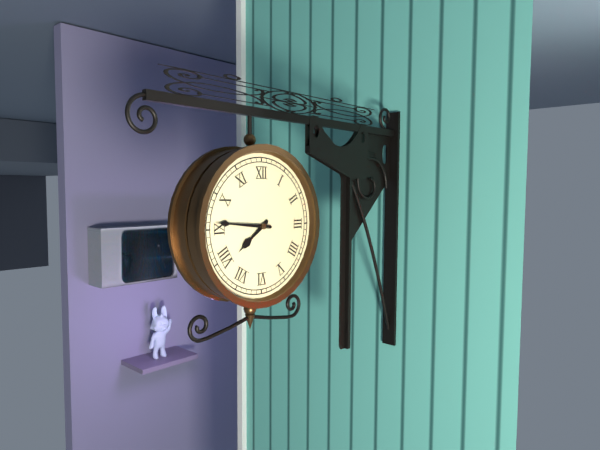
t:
7,46
